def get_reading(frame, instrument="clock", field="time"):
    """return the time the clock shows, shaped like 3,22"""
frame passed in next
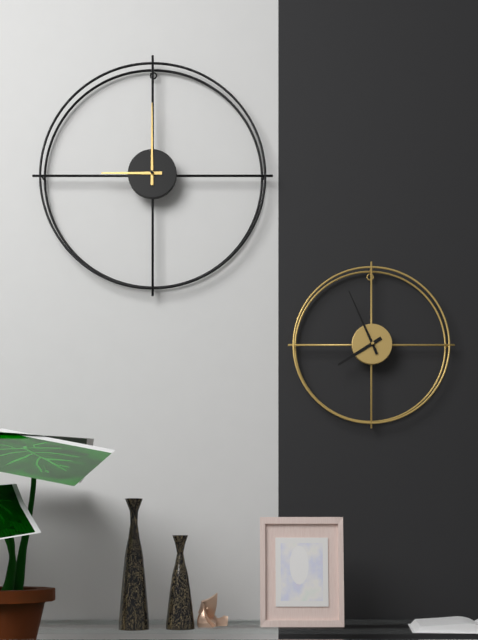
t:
9,00
